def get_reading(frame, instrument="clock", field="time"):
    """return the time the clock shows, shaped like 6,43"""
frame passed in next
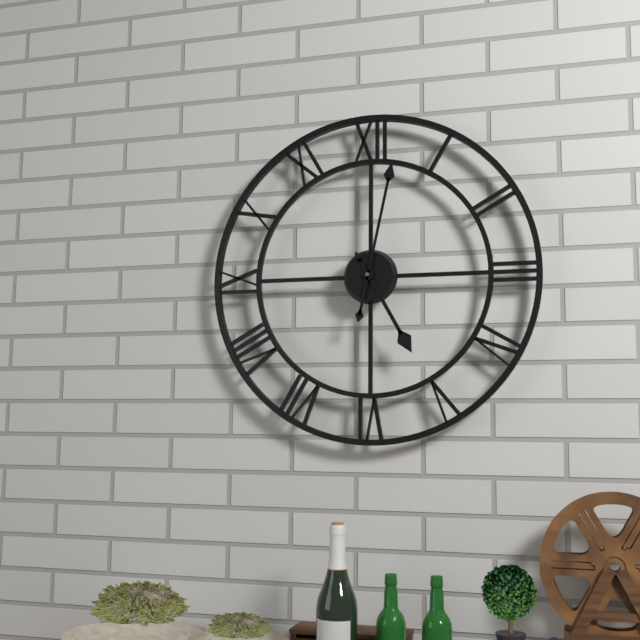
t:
5,02
